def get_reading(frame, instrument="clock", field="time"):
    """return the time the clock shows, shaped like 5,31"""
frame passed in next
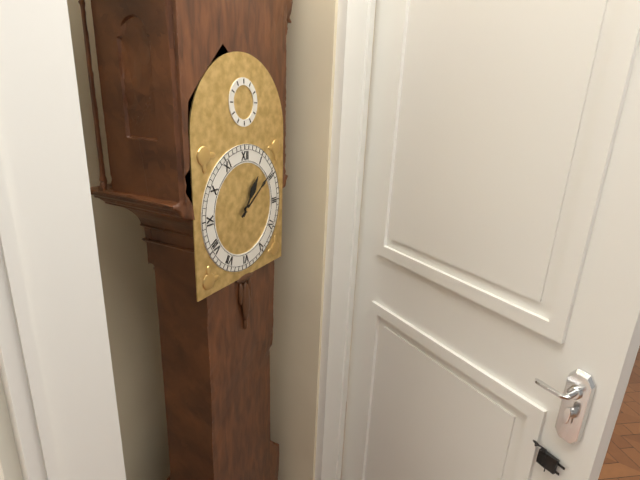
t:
1,09
